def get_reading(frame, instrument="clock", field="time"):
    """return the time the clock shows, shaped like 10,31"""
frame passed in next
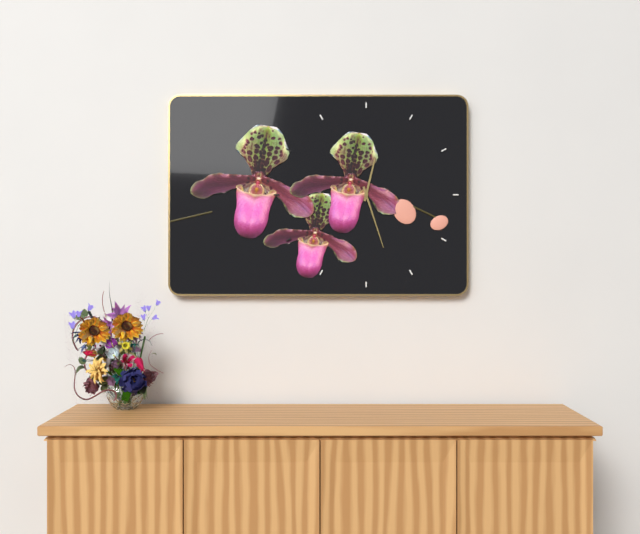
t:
12,27
